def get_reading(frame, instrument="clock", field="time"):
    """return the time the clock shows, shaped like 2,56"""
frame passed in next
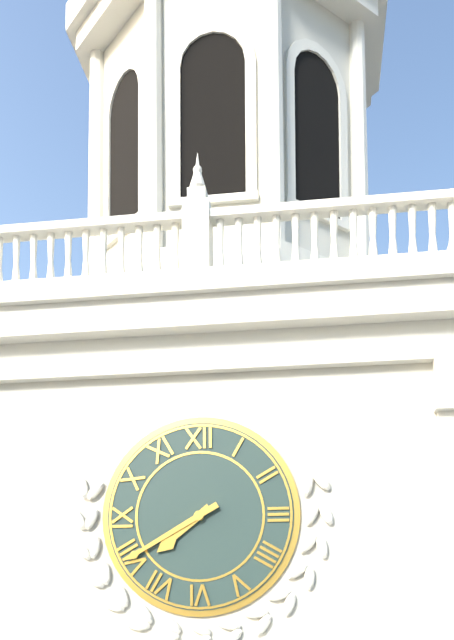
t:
7,40
